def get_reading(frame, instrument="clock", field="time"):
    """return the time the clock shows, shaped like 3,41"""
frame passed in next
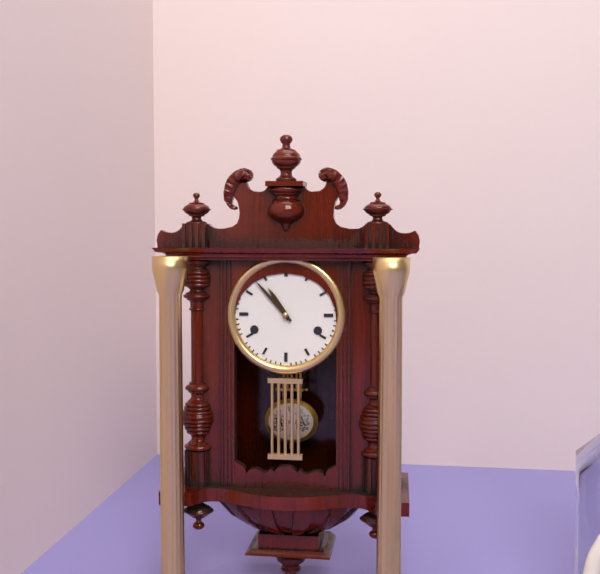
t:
10,53
